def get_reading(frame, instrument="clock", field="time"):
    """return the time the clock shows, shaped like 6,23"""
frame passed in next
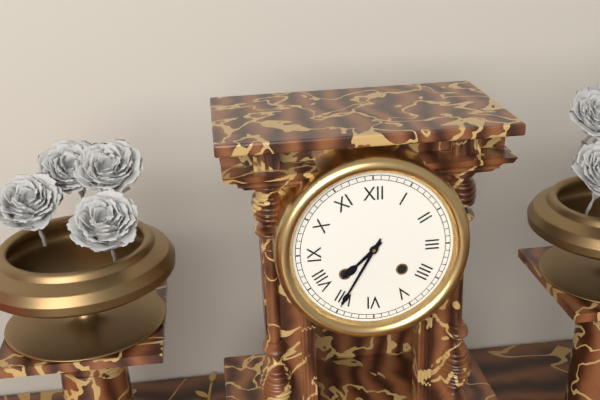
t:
7,35
